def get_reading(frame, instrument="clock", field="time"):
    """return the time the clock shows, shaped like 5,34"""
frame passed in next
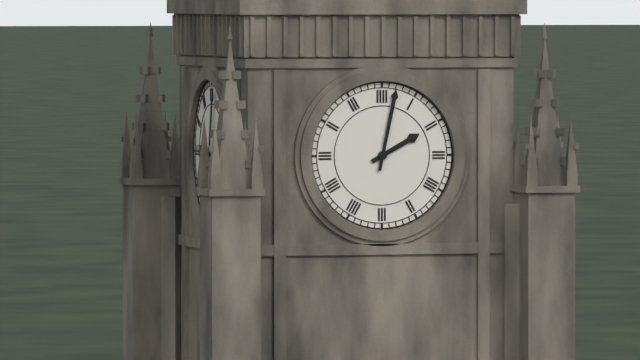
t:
2,02
